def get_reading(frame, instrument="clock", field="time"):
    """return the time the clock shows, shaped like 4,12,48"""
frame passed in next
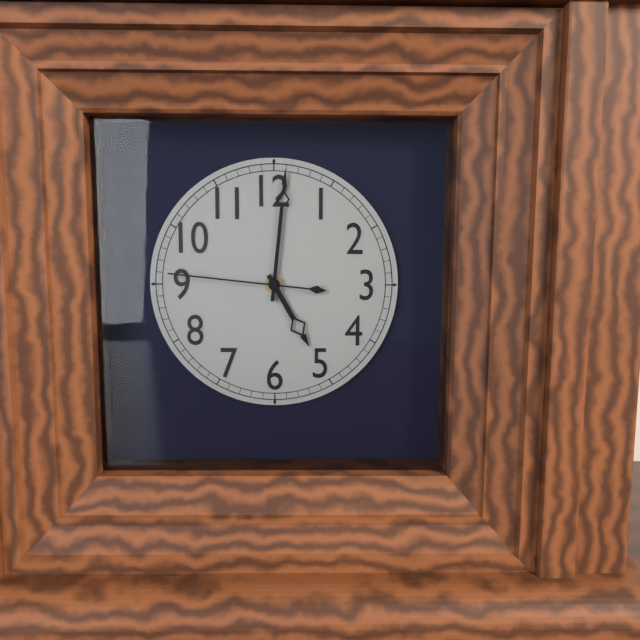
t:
5,01,46
